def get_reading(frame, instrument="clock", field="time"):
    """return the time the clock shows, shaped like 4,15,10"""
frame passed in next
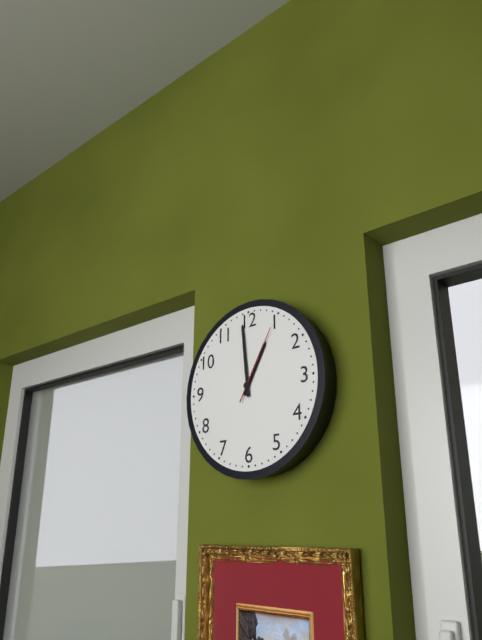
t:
12,59,05
